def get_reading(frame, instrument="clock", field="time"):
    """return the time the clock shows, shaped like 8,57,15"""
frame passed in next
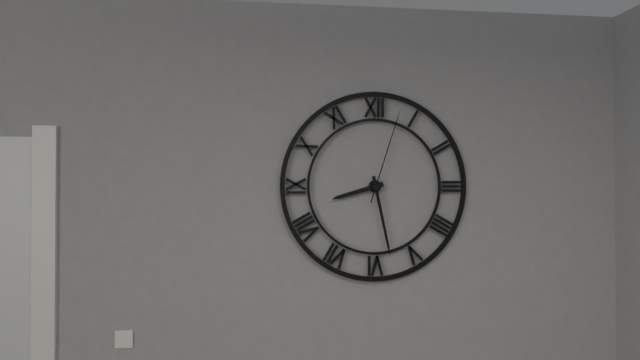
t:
8,28,03
